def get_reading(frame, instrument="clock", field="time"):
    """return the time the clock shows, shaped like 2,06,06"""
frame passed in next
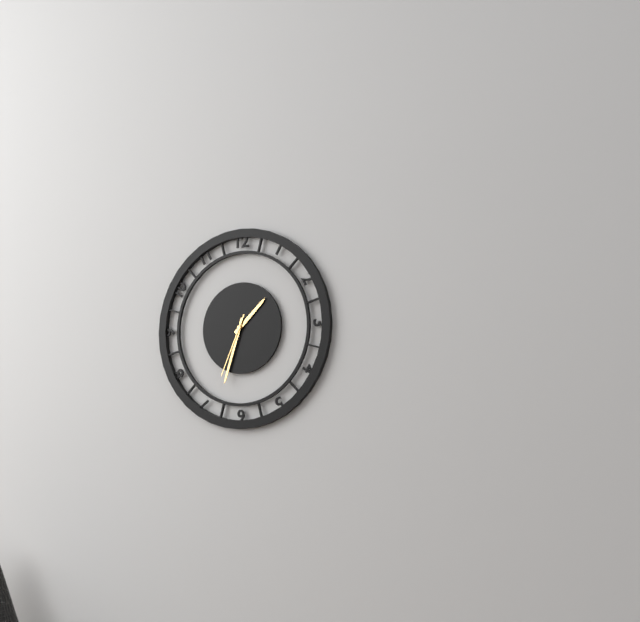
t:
1,33,34
